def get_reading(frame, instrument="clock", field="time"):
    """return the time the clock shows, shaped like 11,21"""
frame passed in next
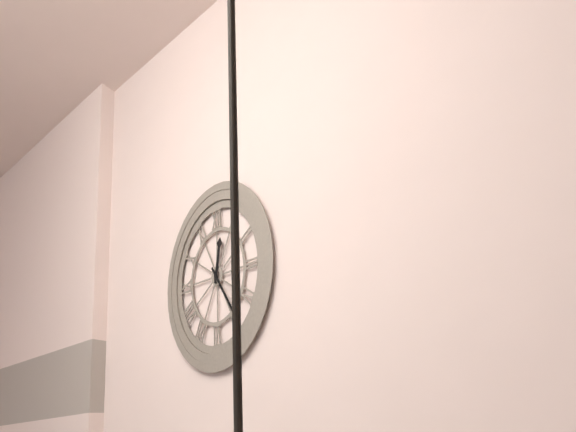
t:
12,24
